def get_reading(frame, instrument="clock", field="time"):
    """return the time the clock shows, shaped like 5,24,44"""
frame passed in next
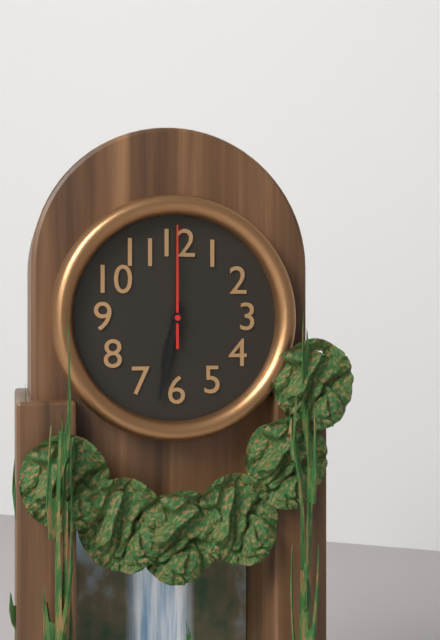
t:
6,32,00
